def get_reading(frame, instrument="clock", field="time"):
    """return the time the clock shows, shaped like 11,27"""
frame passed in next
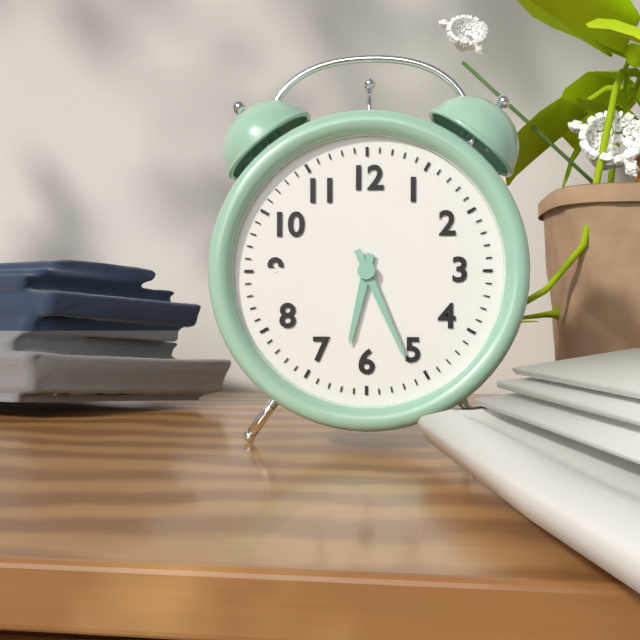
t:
6,26
